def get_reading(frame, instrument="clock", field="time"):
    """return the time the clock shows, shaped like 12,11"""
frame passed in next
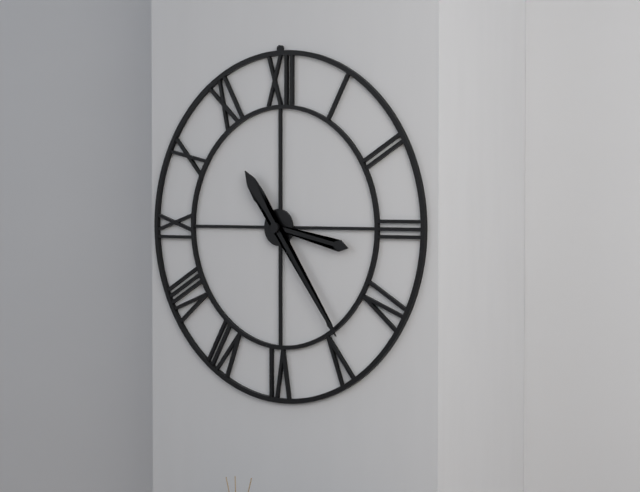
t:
3,24
